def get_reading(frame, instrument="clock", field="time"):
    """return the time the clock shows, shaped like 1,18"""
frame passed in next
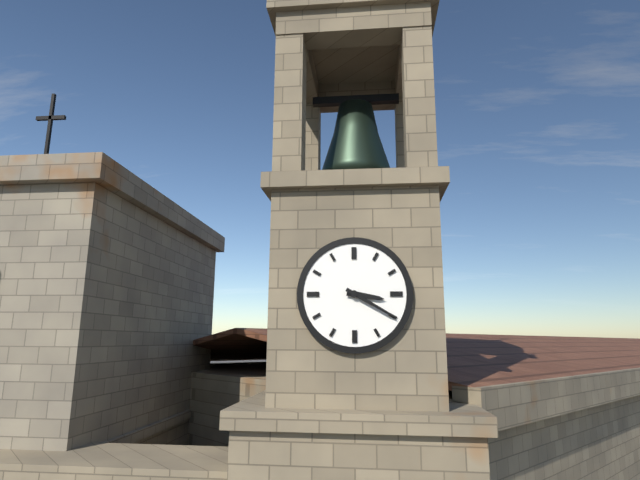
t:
3,20
